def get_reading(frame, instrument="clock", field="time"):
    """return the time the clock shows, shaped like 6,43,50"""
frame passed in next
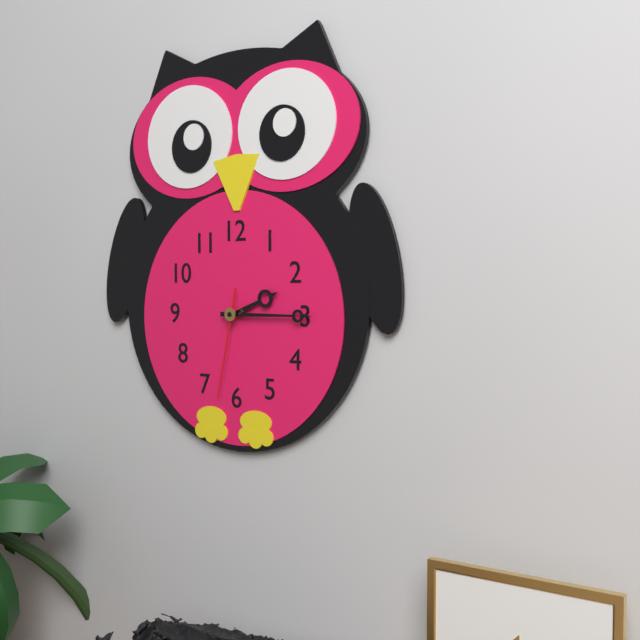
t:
2,15,32
